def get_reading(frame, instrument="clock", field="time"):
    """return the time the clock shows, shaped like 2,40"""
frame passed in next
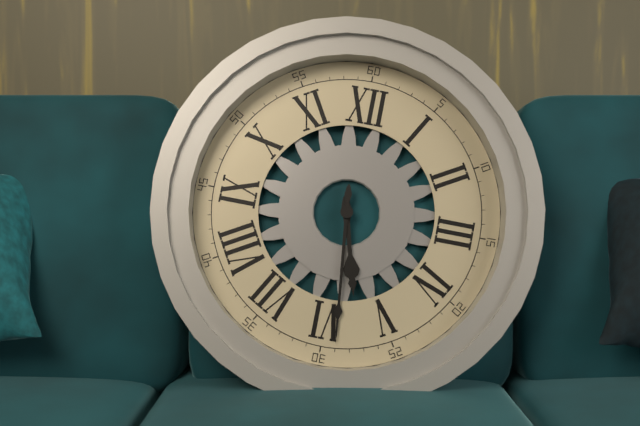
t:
5,29
